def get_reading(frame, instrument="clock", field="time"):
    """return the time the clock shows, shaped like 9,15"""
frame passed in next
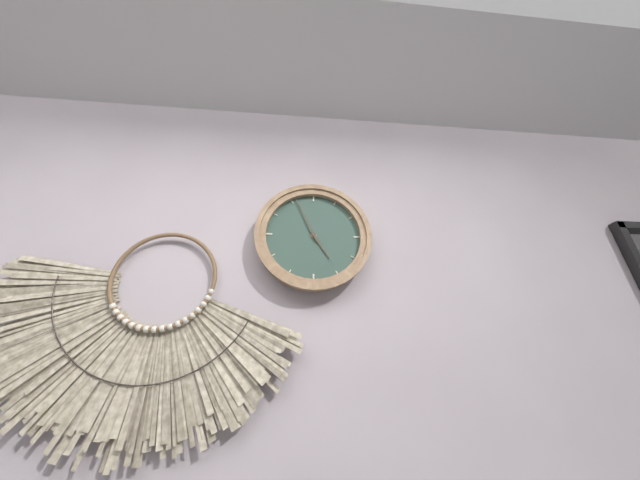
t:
4,56
